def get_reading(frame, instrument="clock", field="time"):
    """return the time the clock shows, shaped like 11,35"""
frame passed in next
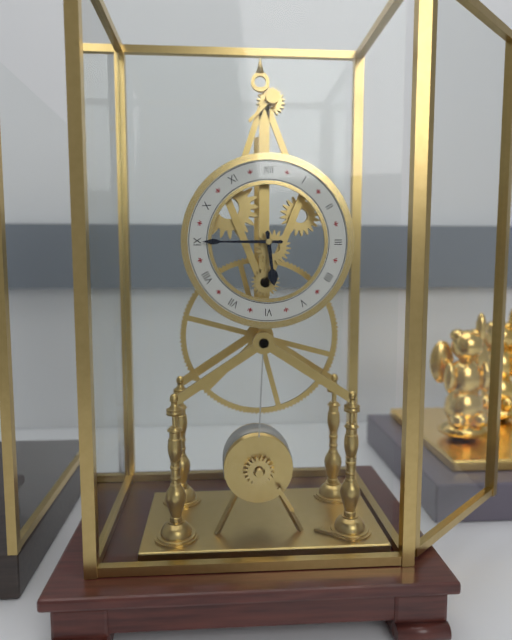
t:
5,45
